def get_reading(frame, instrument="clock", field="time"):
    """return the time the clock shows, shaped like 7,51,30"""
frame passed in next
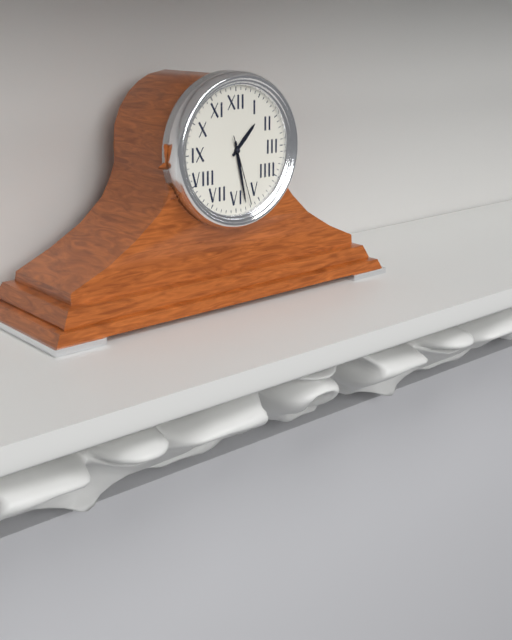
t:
1,28,27
